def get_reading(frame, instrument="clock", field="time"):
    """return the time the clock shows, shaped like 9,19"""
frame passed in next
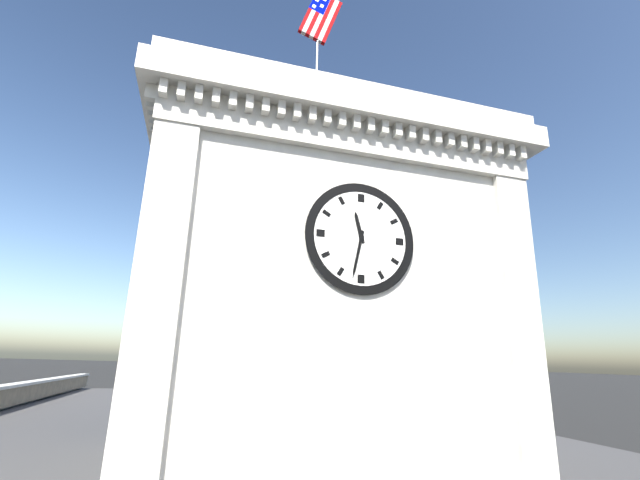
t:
11,32
